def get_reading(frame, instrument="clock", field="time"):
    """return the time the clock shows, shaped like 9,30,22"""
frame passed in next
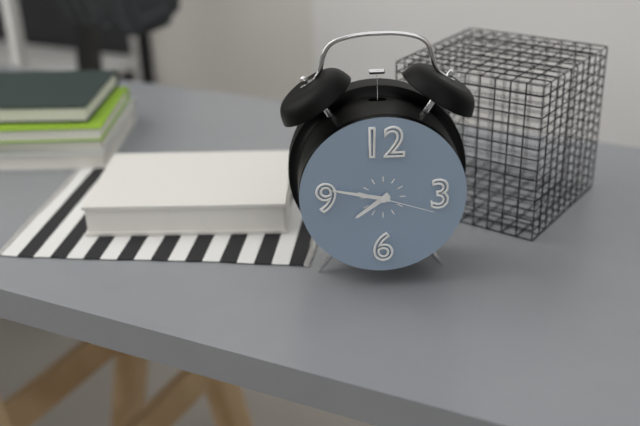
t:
7,47,18
